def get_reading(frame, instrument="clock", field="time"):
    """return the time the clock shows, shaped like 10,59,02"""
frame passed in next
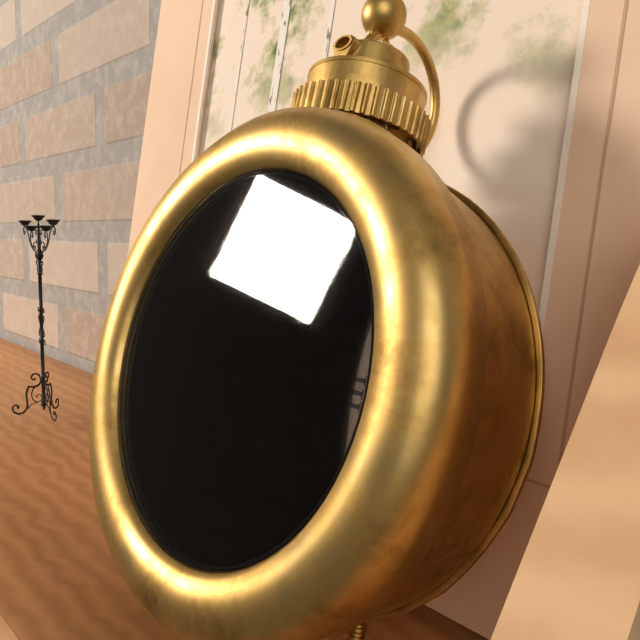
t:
5,04,04
